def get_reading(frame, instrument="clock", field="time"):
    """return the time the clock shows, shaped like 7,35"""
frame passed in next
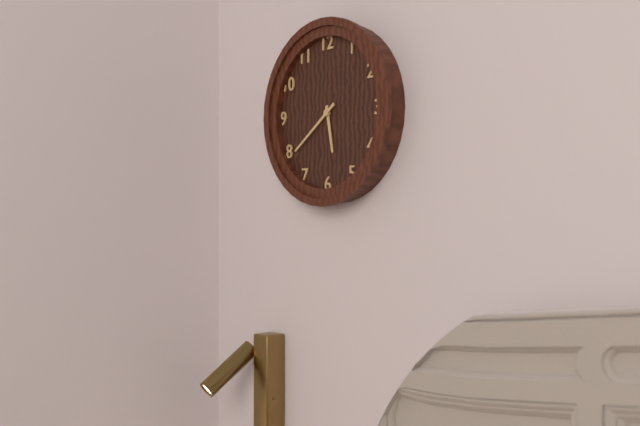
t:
5,39
